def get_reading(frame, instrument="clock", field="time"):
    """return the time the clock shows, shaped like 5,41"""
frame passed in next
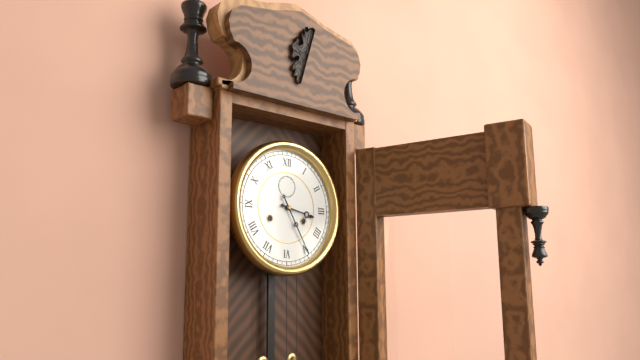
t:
3,25
